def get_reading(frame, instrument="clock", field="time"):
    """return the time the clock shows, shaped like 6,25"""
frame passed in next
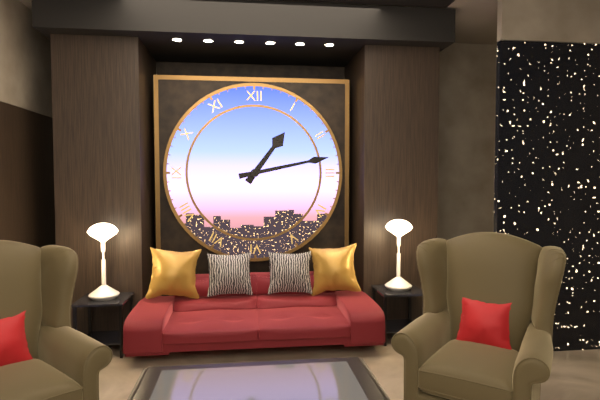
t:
1,13
